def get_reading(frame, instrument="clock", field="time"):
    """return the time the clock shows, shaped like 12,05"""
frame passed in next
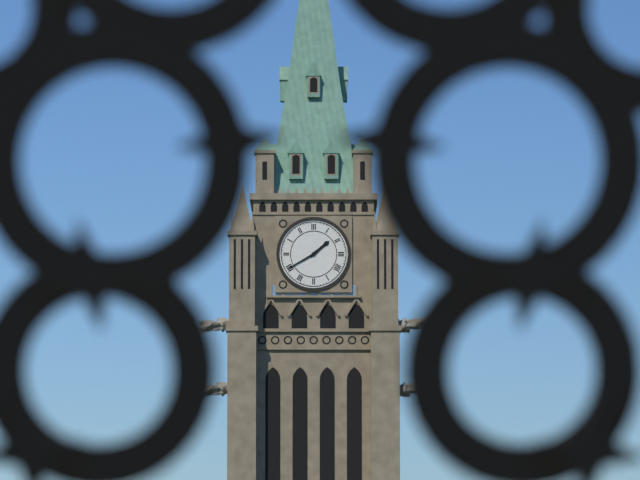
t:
1,40
